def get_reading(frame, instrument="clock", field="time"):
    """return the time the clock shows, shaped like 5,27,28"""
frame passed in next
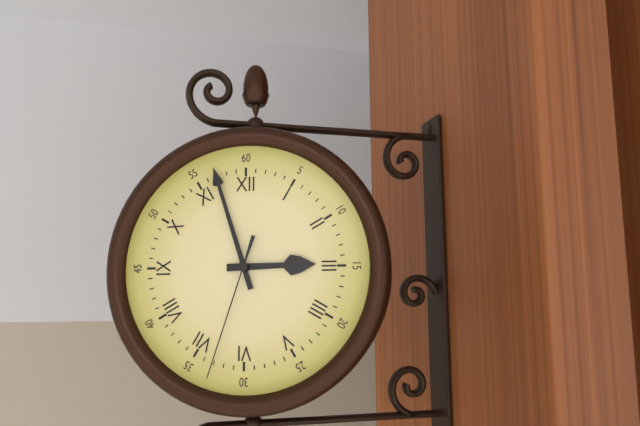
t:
2,57,33
